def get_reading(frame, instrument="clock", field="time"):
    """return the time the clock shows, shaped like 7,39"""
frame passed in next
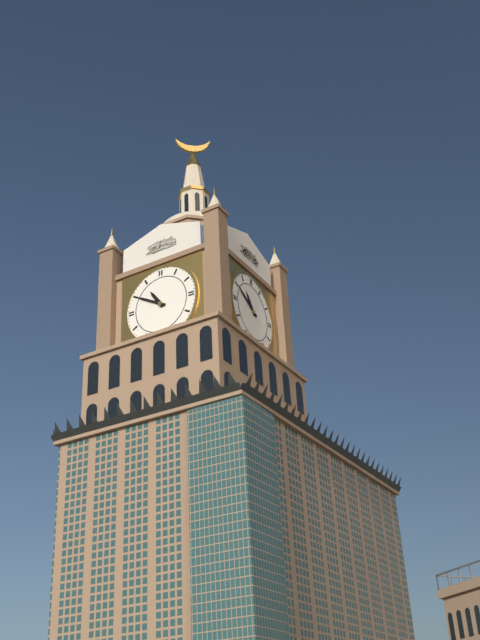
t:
10,50
